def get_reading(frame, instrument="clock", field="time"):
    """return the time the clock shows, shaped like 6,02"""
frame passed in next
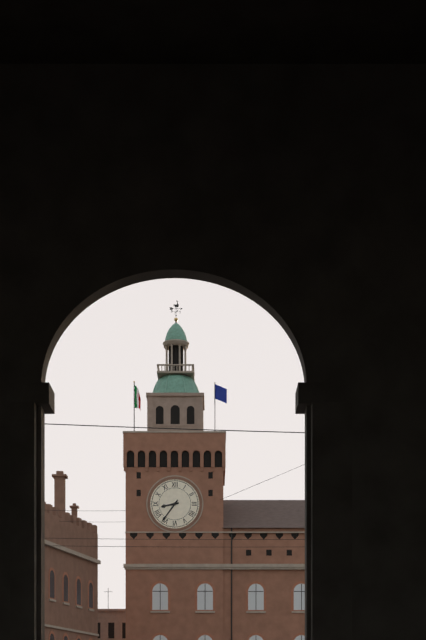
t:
8,36
